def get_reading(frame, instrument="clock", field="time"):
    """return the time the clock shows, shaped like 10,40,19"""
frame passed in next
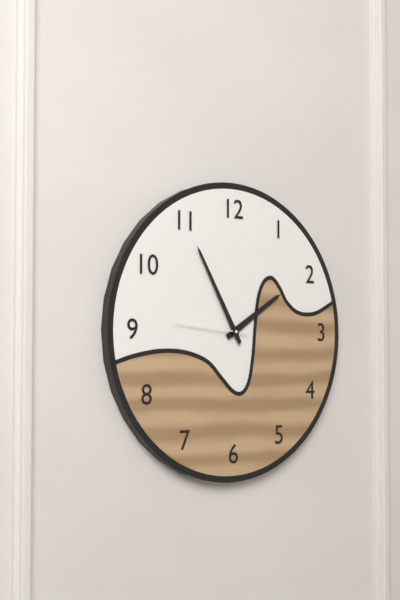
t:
1,55,46
